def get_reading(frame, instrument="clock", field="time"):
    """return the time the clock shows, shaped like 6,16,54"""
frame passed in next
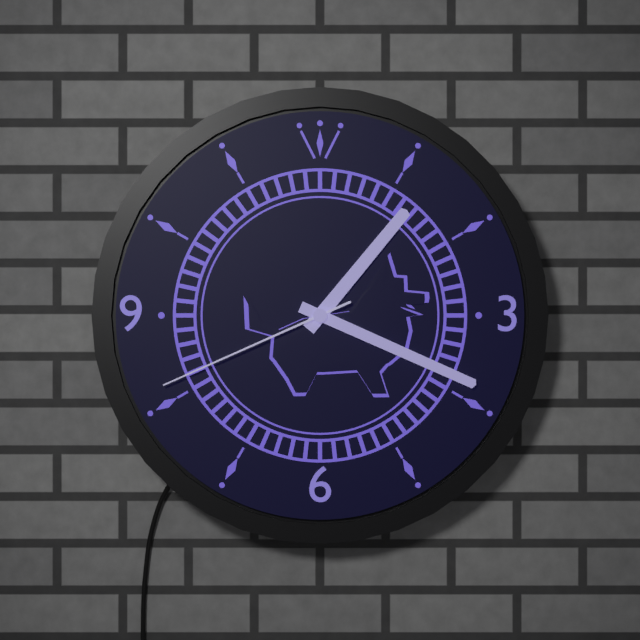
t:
1,19,41
